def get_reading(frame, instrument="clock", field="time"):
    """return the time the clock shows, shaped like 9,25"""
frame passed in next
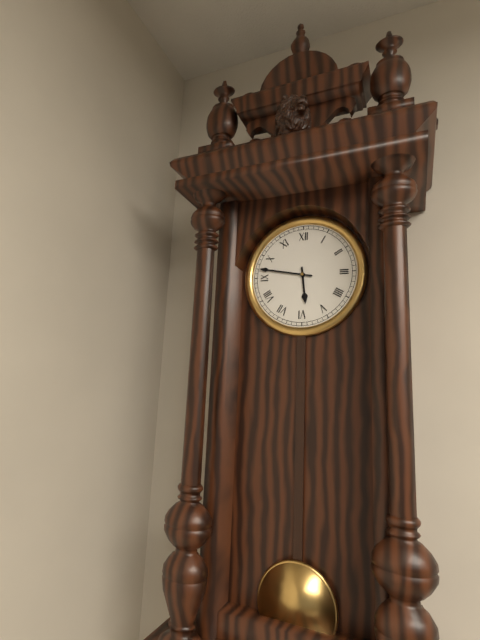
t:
5,47
